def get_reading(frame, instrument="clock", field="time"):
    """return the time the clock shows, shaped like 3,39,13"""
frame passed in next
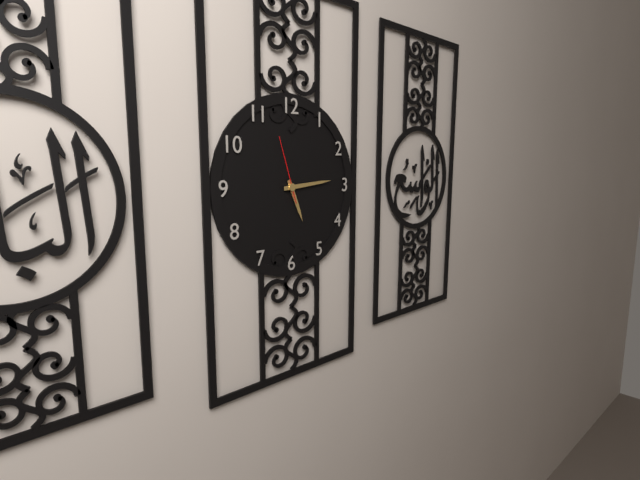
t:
5,14,57
